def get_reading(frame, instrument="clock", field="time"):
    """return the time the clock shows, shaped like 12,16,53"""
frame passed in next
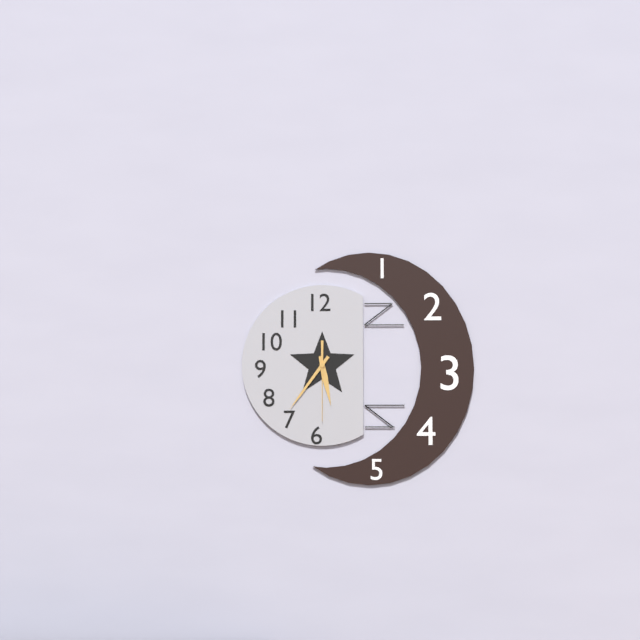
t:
5,36,30
